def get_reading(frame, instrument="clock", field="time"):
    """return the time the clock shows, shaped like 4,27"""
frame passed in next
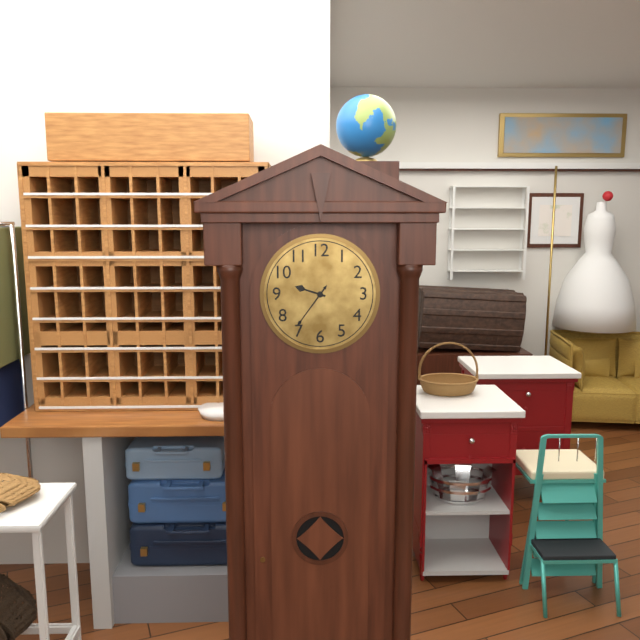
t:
9,36
